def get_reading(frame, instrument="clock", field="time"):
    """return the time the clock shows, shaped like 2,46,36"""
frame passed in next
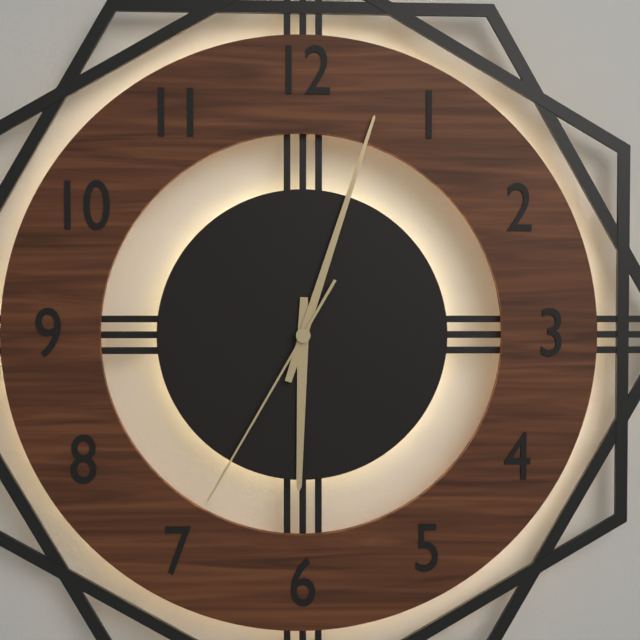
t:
6,03,35
